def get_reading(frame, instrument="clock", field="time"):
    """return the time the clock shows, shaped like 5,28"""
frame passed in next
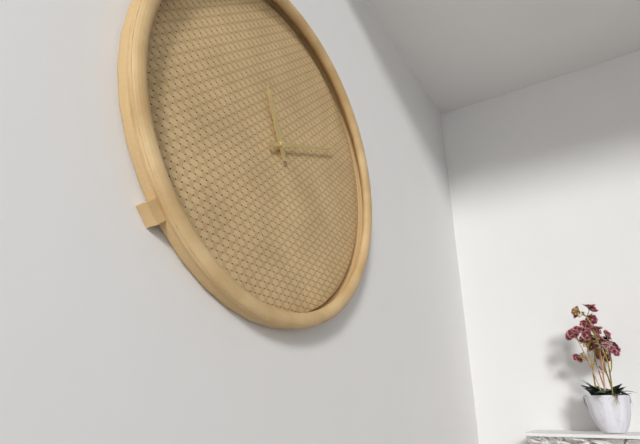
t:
11,11
